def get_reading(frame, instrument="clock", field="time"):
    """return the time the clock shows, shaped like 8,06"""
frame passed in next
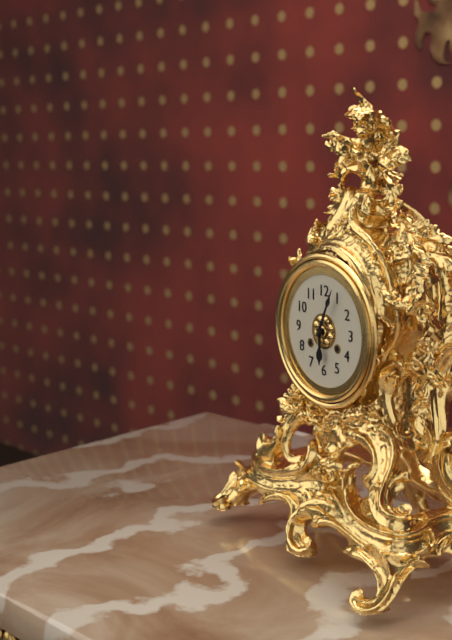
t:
6,04
